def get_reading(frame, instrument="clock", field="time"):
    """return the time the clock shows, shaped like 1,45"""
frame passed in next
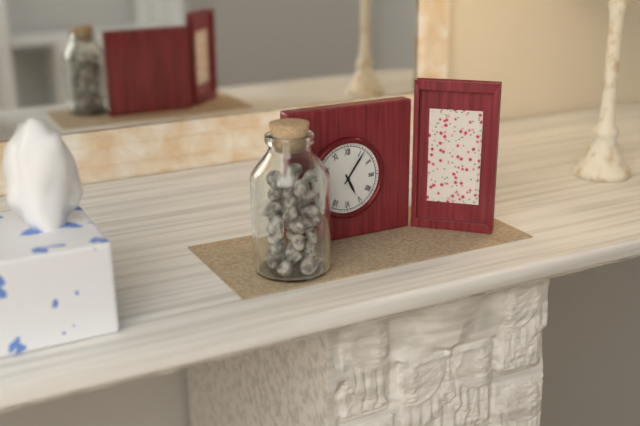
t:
5,06
